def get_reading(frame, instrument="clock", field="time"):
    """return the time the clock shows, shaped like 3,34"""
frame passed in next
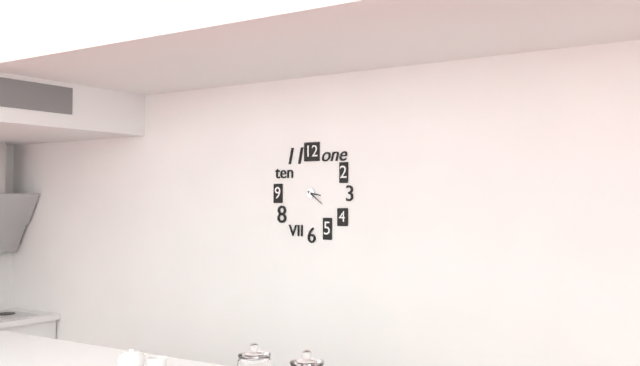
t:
3,21
